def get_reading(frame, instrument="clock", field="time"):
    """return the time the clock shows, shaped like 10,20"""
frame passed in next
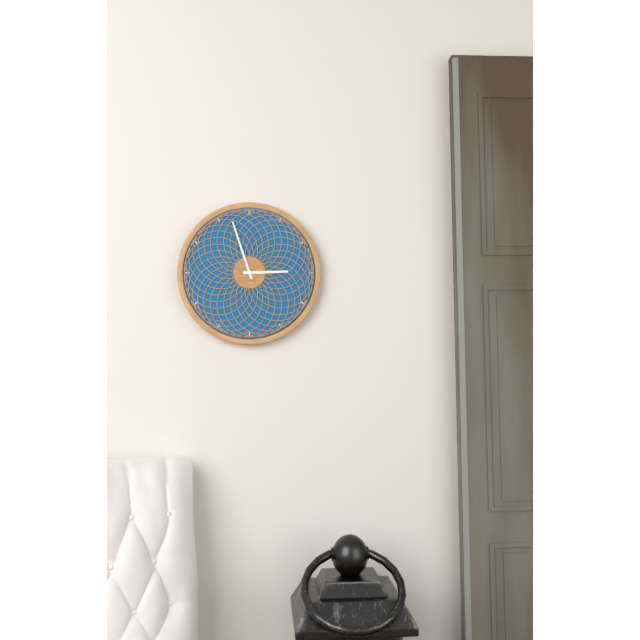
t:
2,57
